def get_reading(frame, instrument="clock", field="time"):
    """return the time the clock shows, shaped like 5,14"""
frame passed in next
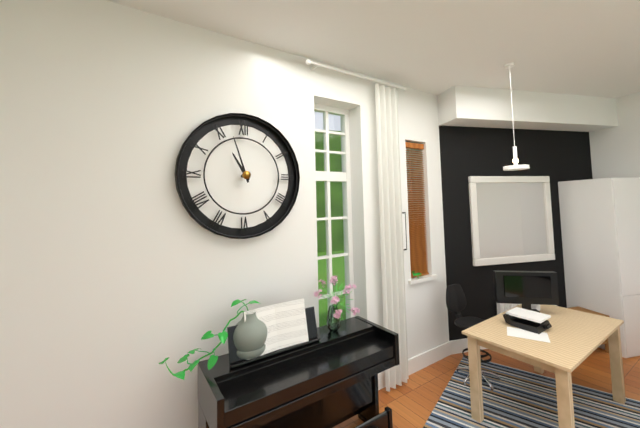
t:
10,57
